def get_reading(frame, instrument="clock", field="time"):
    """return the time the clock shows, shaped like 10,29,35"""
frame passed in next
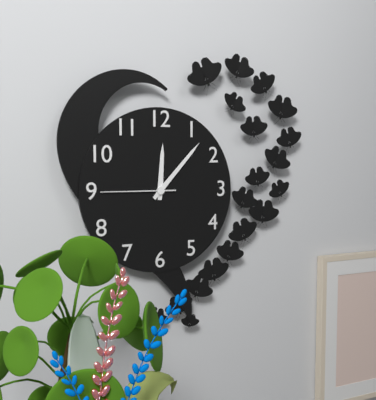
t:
12,07,45
